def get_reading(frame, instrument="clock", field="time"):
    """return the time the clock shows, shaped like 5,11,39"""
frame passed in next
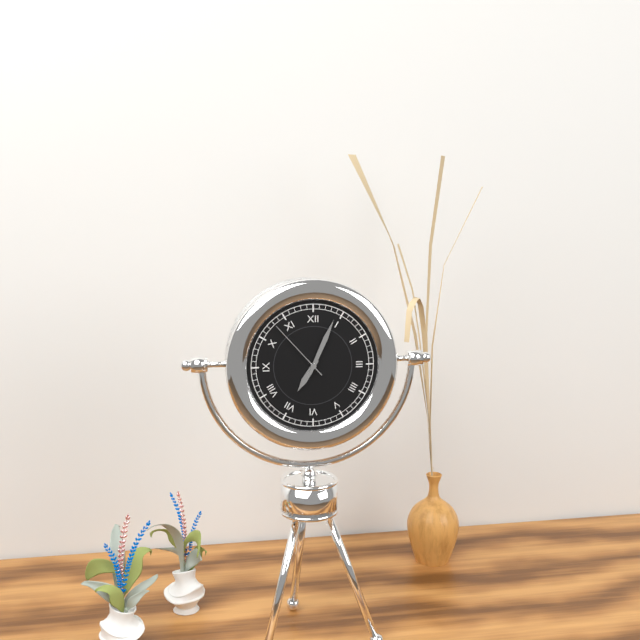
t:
7,04,53
